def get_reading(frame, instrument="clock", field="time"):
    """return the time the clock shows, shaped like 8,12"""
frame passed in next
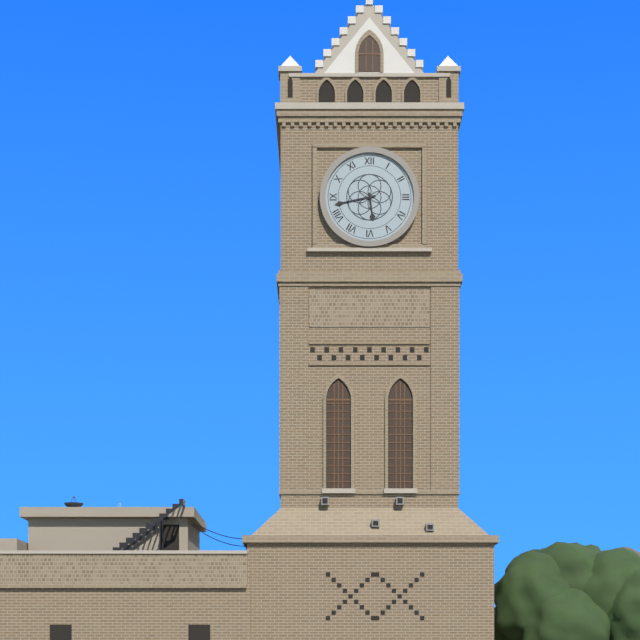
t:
5,43
